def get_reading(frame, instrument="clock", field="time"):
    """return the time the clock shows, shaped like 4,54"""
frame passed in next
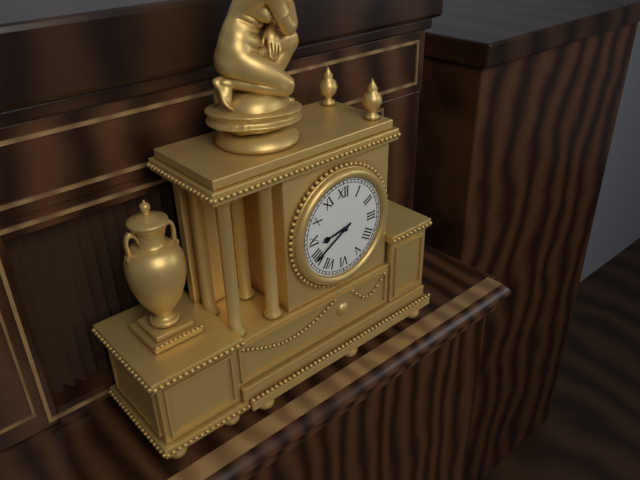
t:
8,40
